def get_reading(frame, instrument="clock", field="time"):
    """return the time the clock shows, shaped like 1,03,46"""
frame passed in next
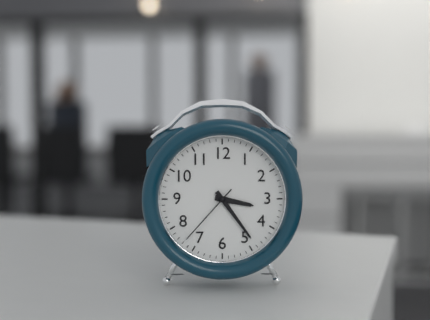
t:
3,24,37
